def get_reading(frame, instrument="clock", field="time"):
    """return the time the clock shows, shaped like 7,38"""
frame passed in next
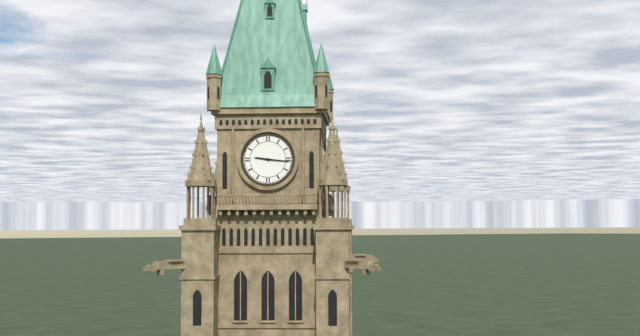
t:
9,16
